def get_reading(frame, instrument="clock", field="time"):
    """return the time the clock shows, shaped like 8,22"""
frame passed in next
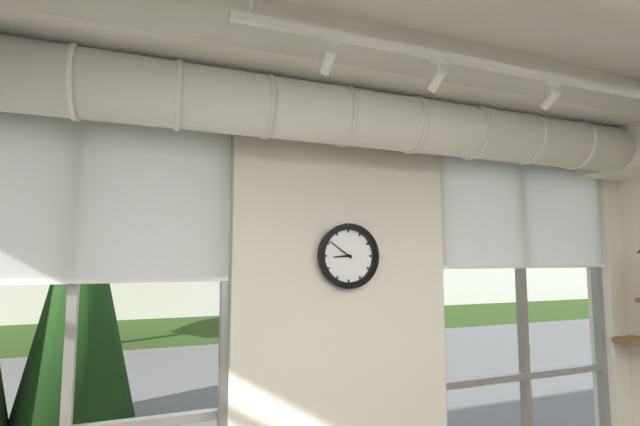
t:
8,51
